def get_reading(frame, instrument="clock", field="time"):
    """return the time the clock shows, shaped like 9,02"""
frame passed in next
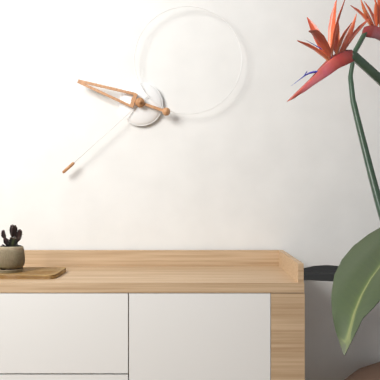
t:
9,38
